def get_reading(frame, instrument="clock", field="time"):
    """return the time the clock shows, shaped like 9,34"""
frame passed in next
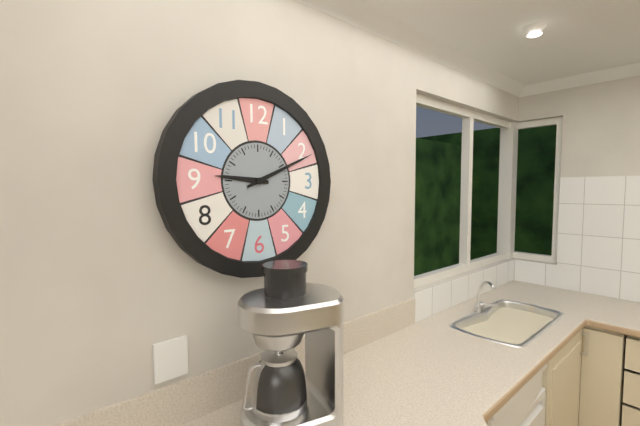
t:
9,11
